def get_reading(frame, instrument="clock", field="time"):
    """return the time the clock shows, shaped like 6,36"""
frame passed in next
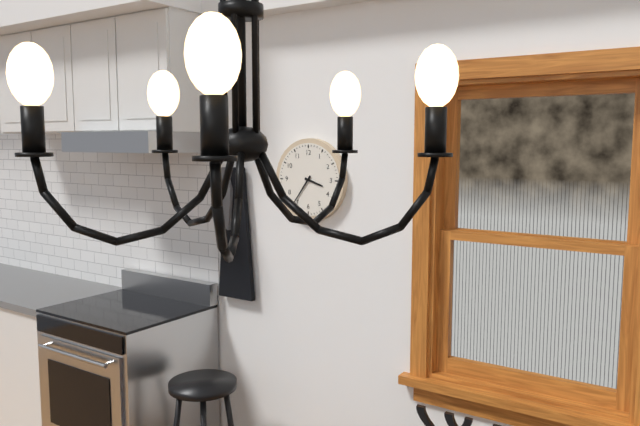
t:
3,36
